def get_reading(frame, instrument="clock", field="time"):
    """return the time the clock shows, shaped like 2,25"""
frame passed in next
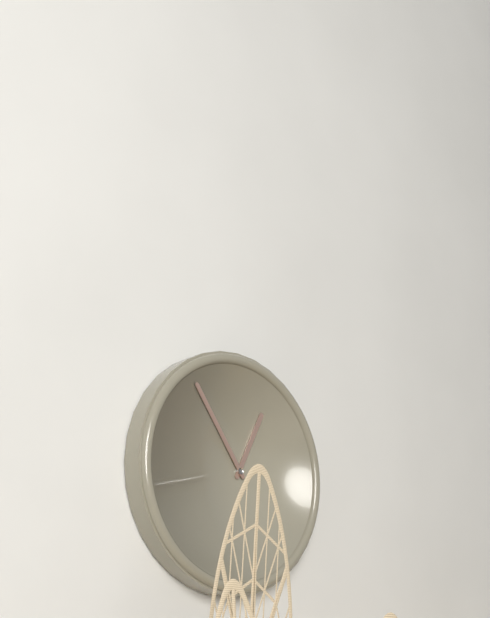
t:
12,54
